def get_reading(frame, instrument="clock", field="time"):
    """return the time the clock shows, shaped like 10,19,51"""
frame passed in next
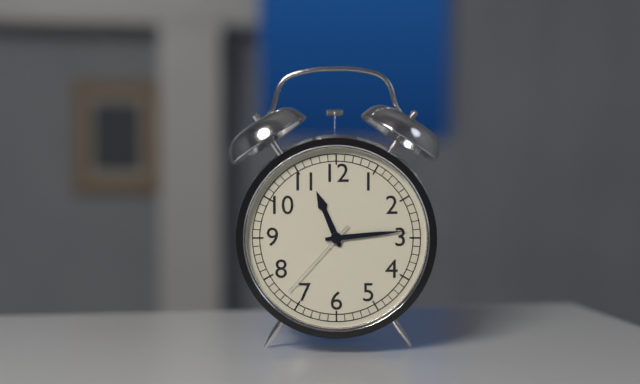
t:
11,14,37
